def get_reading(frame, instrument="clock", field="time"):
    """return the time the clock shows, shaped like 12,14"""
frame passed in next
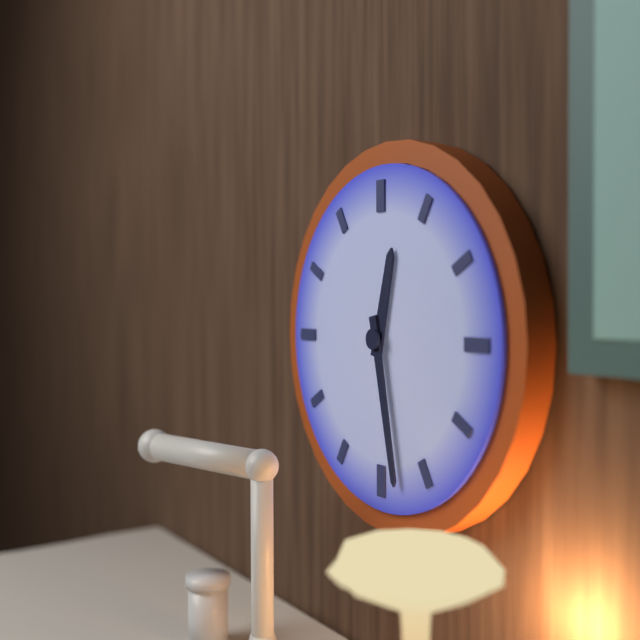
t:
12,28
